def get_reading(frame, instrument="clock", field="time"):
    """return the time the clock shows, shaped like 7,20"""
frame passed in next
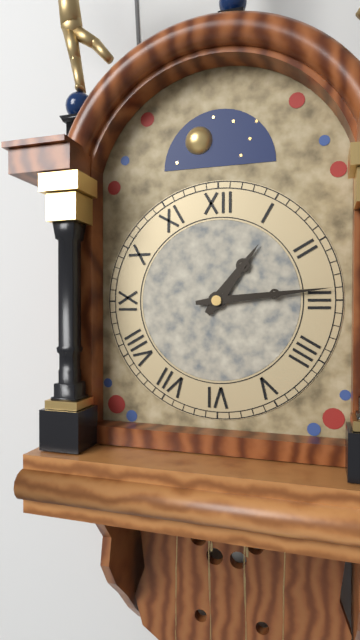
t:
1,14
